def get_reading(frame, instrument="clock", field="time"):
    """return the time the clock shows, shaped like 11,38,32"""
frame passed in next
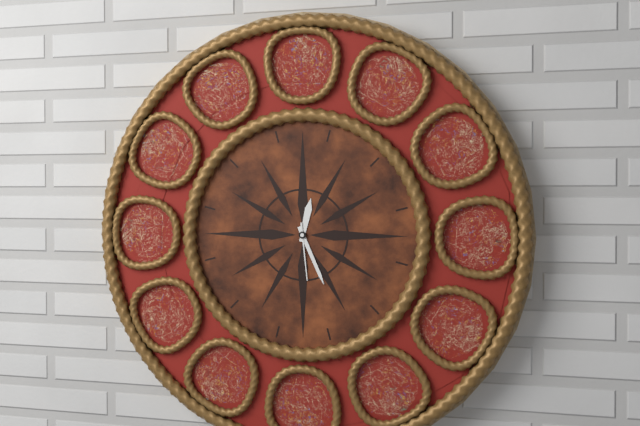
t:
12,26,29
